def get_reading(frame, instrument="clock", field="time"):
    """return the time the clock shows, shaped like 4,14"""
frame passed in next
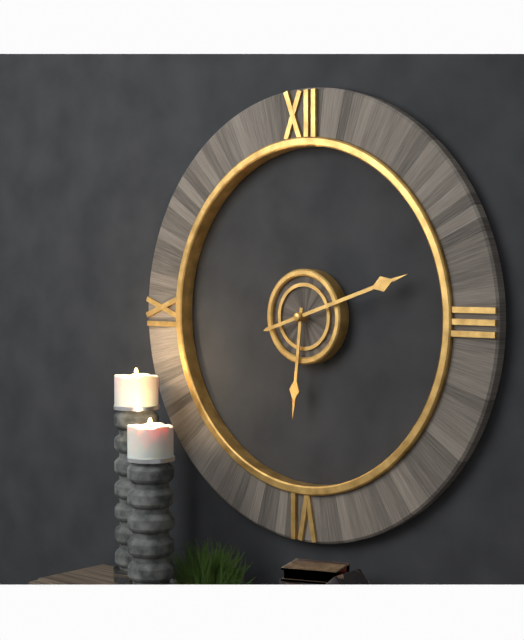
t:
6,12
